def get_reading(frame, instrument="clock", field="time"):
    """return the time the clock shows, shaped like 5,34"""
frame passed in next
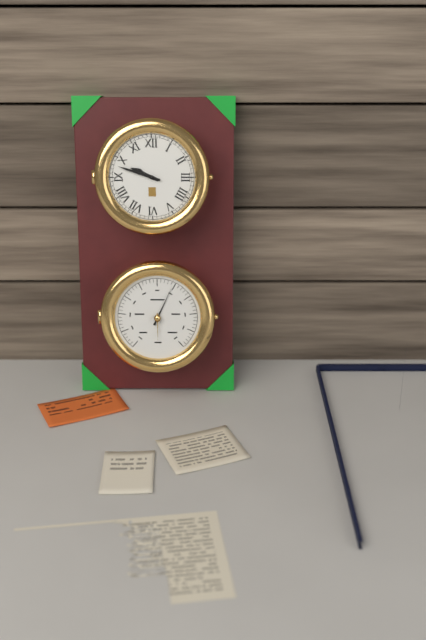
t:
9,48
